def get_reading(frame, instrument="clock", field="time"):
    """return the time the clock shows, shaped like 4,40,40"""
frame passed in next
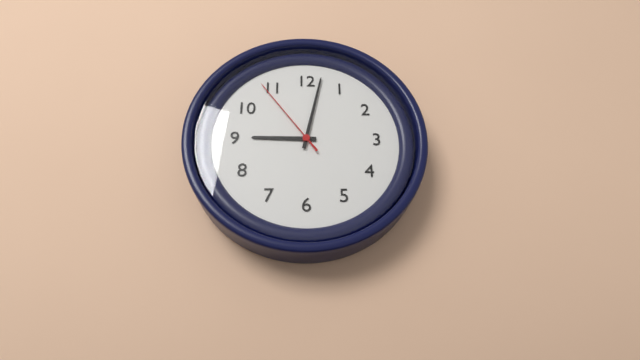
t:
9,02,54
